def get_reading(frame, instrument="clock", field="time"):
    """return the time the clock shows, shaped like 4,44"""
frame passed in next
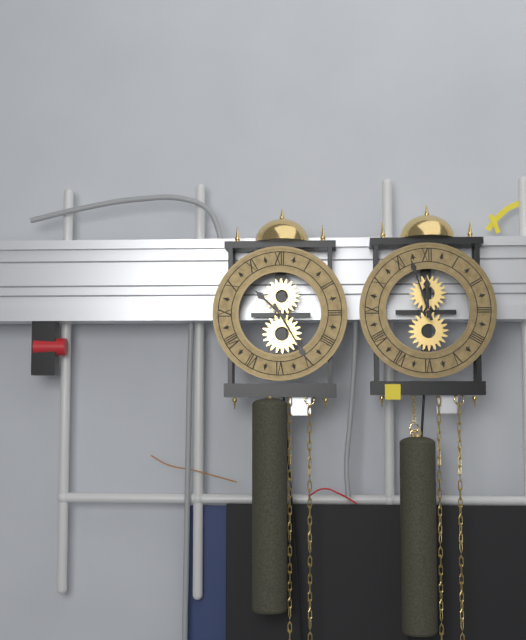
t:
10,25
